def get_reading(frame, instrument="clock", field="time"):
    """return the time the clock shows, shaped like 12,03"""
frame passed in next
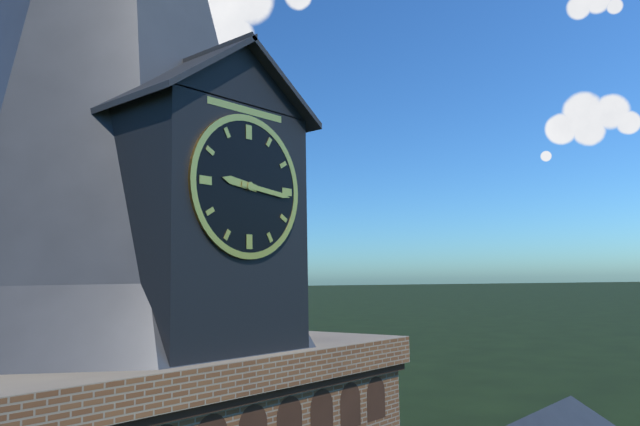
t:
9,16
